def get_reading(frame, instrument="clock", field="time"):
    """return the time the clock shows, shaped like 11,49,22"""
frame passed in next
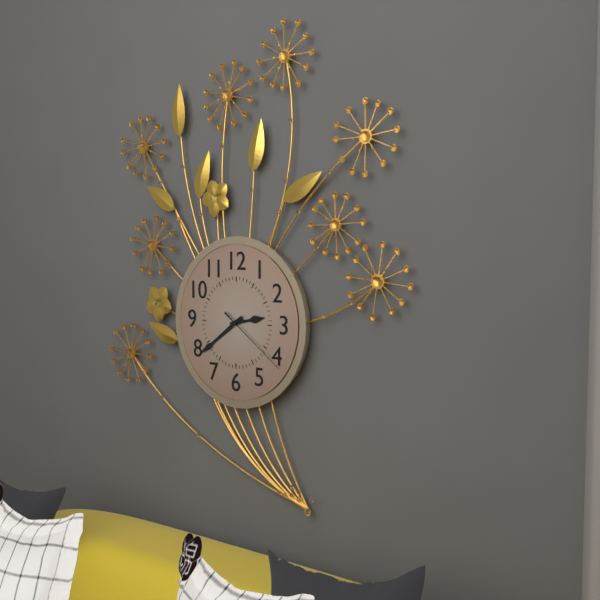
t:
2,39,21
